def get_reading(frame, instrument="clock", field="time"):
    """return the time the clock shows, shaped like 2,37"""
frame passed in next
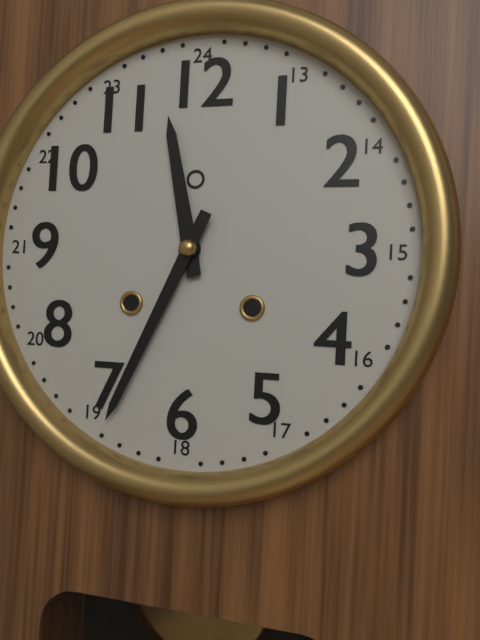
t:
11,34
